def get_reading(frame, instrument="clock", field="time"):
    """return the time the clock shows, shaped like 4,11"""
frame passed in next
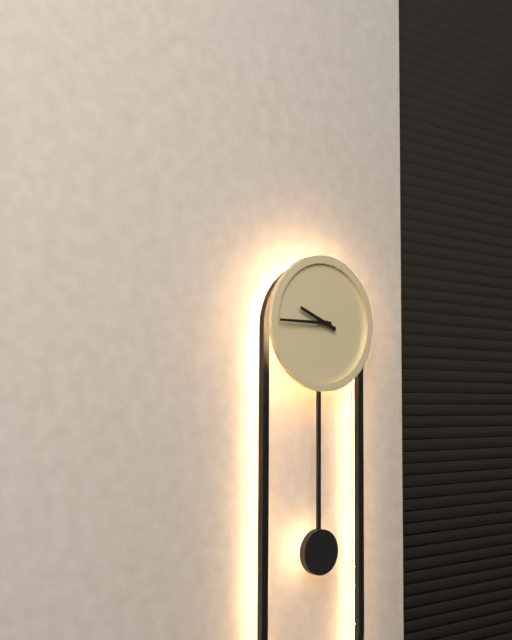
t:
9,45
